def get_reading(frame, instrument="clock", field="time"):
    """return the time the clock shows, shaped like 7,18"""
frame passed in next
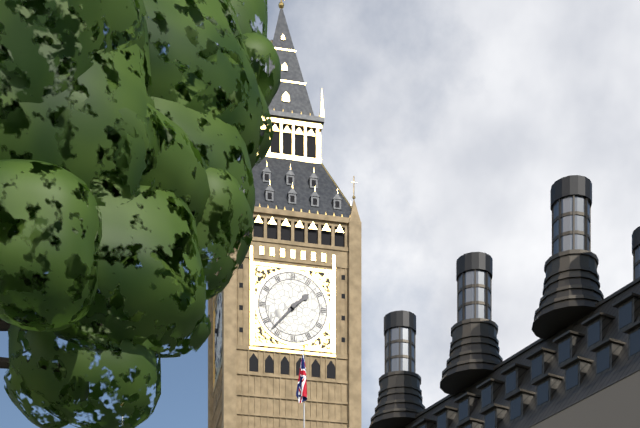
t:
1,37
